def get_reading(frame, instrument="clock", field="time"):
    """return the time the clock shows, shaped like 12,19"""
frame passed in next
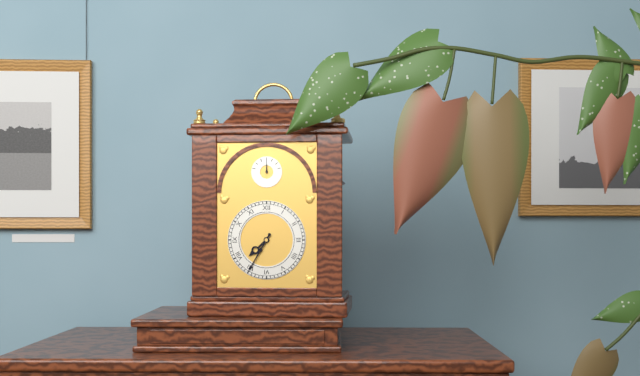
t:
7,35
